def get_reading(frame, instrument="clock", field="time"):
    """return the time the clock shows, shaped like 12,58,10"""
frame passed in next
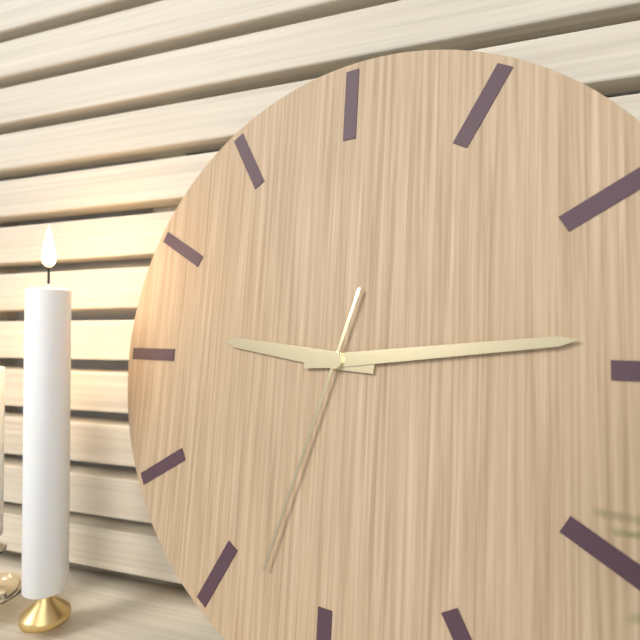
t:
9,14,33
